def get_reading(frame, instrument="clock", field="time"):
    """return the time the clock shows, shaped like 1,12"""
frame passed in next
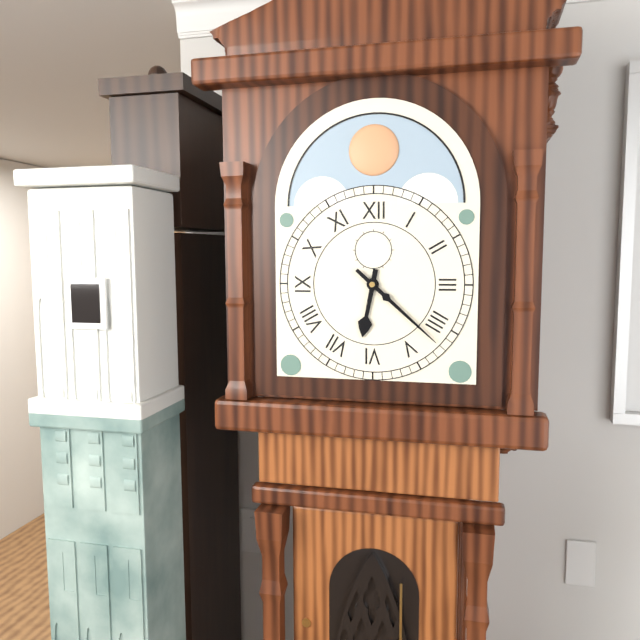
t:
6,22
